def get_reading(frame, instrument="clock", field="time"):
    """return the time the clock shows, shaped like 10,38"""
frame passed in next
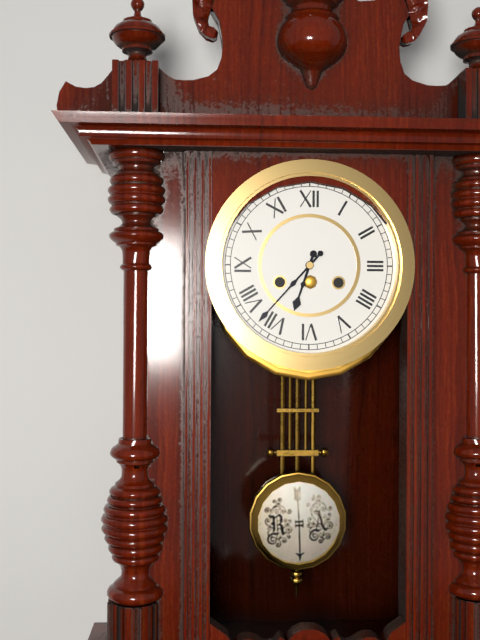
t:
6,37
